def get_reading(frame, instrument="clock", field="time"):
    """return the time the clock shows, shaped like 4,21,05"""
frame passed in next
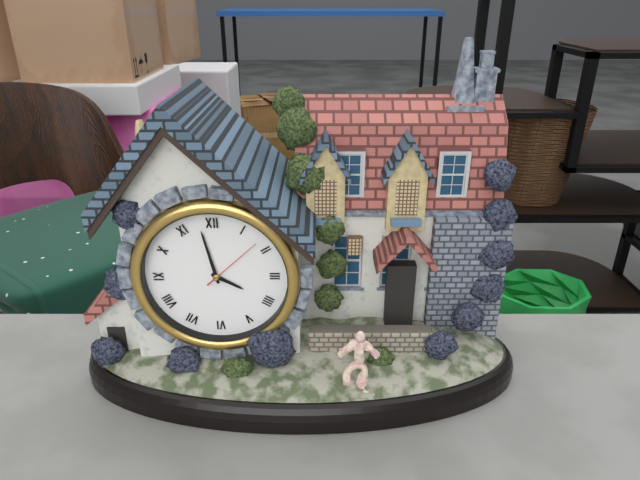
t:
3,58,08
